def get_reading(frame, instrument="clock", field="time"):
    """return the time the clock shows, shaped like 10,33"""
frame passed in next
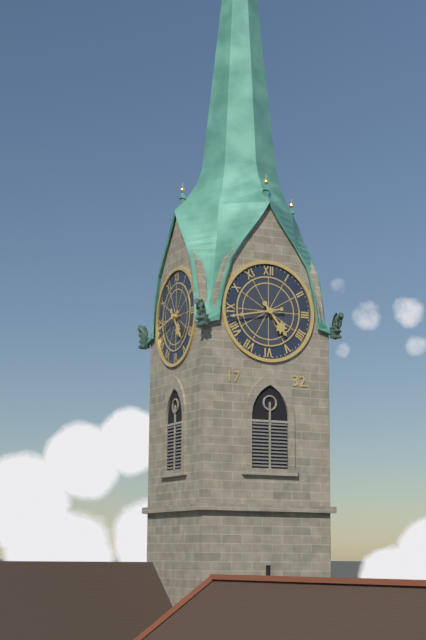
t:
4,43
